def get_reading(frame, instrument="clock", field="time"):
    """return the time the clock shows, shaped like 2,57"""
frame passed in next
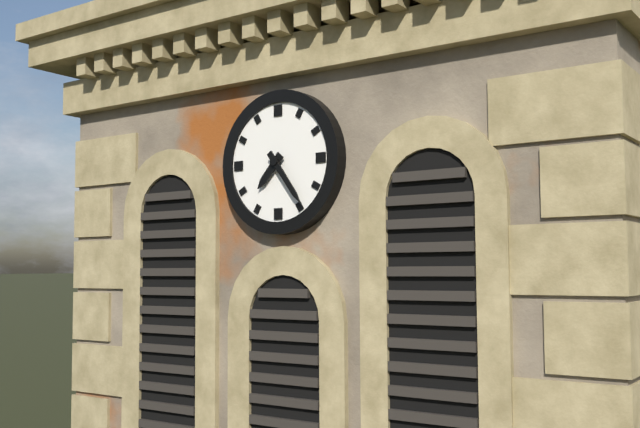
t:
7,24
